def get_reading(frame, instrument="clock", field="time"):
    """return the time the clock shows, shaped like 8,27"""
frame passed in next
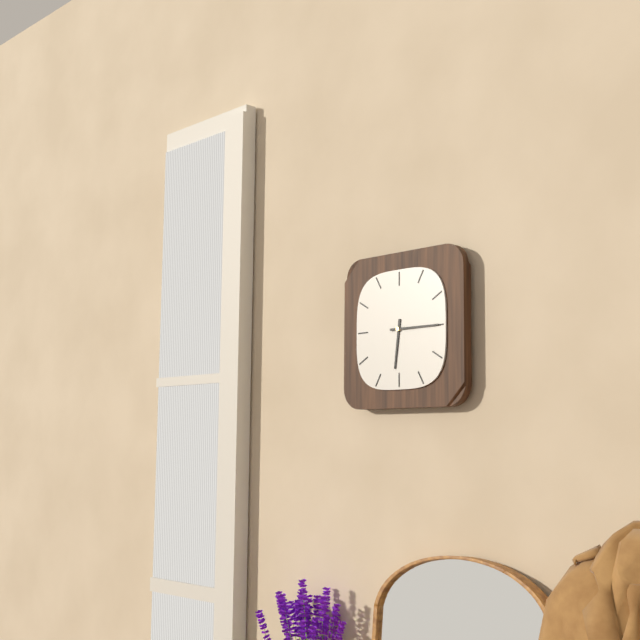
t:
6,15
